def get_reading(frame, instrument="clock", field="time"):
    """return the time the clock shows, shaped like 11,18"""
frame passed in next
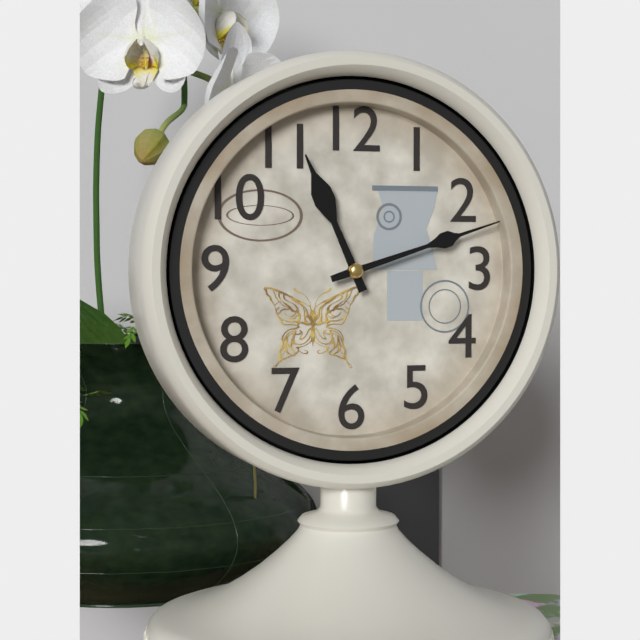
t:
11,12
